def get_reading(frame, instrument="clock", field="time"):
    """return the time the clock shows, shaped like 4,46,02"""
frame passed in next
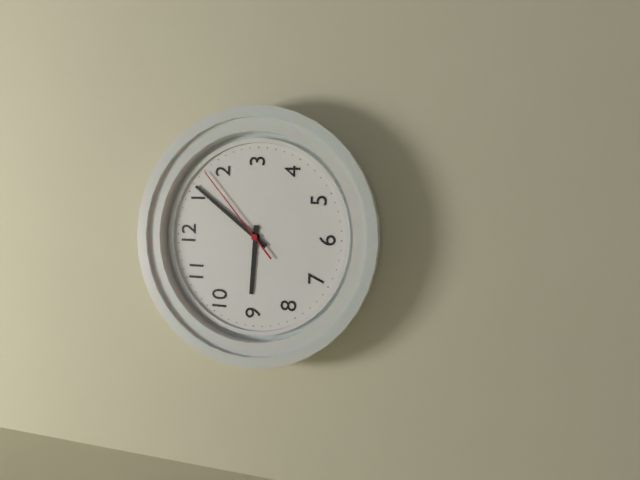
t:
9,06,08
